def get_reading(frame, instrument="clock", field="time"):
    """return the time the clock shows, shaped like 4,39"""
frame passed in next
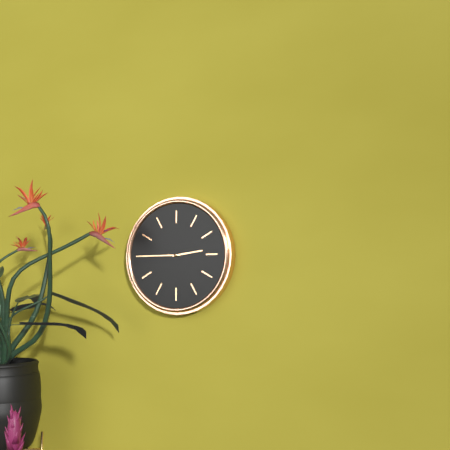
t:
2,45
